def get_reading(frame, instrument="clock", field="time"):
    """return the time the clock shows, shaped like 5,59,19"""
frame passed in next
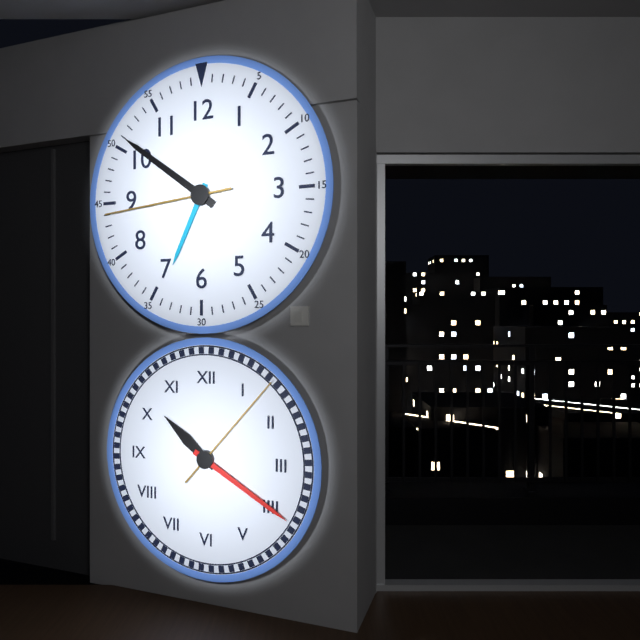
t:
6,51,44
